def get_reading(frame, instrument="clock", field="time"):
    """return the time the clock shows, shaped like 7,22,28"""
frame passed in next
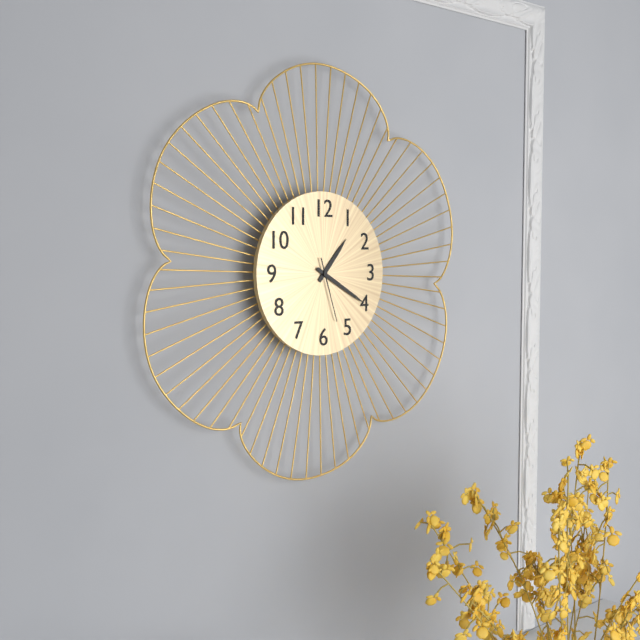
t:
1,20,27
